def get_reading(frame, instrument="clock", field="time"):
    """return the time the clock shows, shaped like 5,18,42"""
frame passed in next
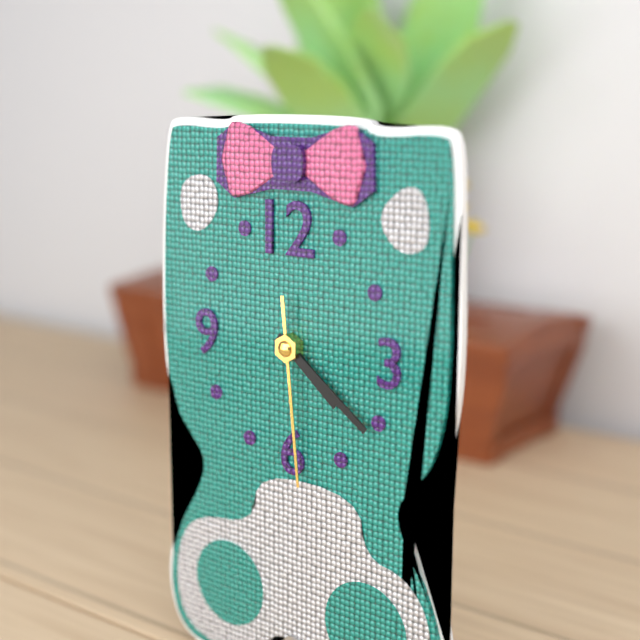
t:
4,21,29
